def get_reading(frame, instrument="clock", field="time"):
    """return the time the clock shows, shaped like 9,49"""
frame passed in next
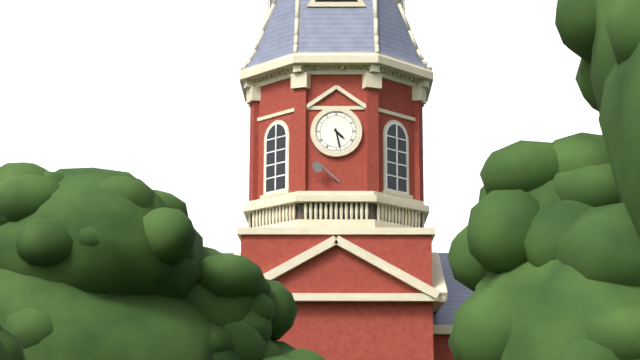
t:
4,28
